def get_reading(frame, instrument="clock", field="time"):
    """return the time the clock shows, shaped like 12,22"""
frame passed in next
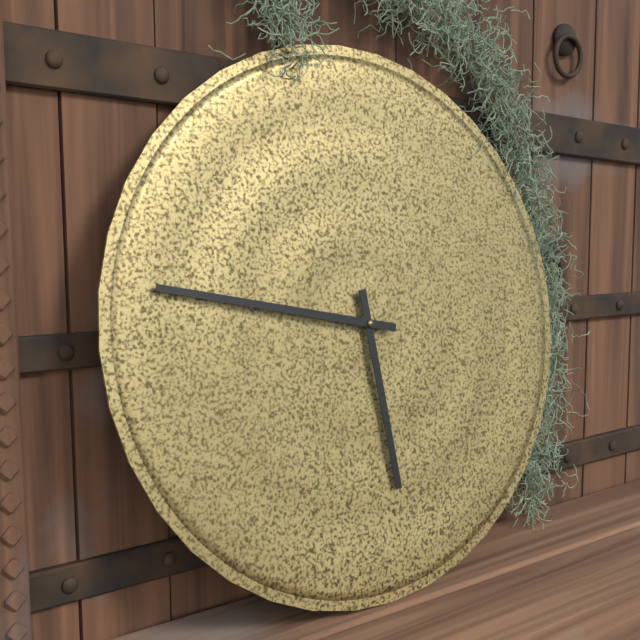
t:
5,47
